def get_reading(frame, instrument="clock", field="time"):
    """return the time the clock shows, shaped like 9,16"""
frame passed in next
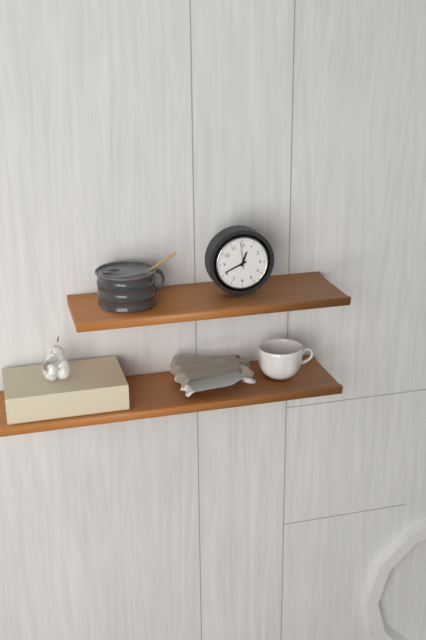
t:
12,41
